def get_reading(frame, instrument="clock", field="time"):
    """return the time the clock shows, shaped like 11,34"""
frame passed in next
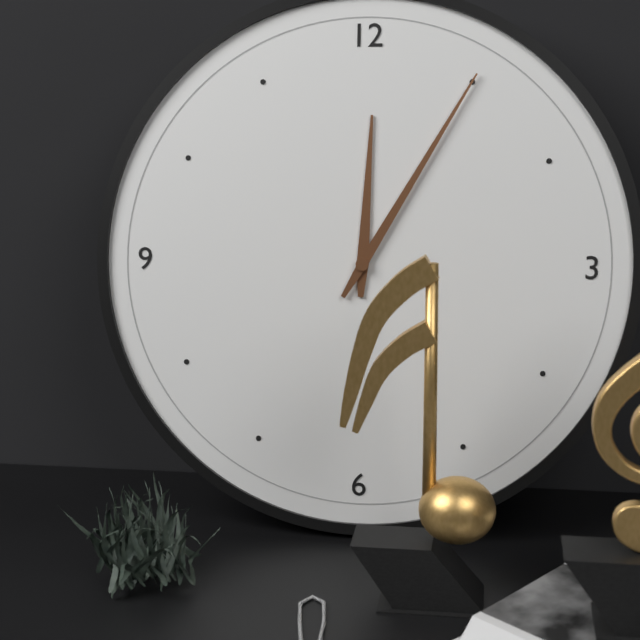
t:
12,05
